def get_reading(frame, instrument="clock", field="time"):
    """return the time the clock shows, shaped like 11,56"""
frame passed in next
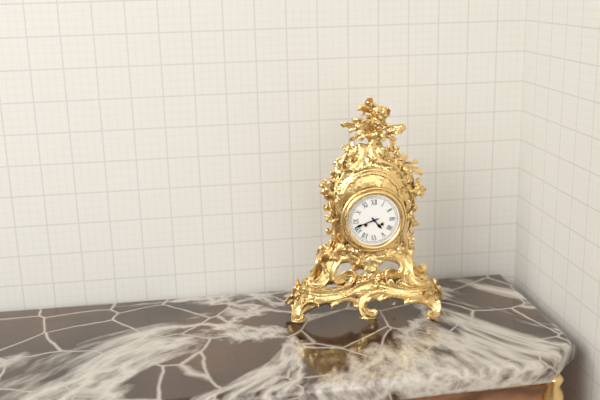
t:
4,42
